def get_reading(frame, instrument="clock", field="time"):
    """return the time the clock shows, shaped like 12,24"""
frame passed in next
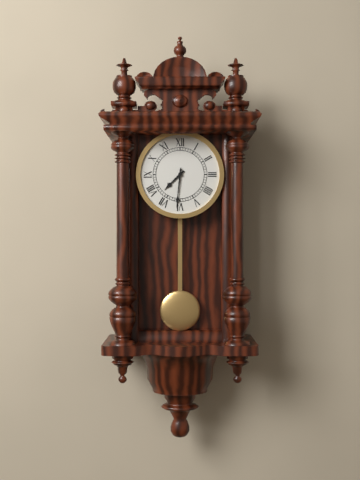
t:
7,31
